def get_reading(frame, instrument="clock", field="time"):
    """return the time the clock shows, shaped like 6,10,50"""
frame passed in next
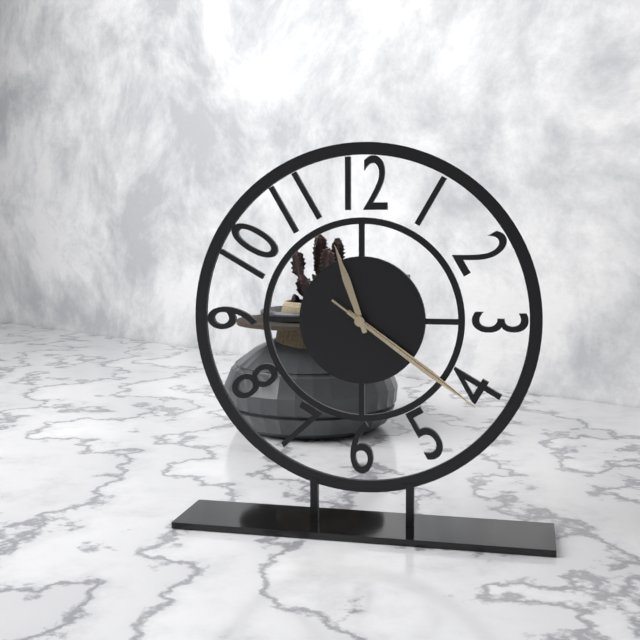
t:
11,21,21
